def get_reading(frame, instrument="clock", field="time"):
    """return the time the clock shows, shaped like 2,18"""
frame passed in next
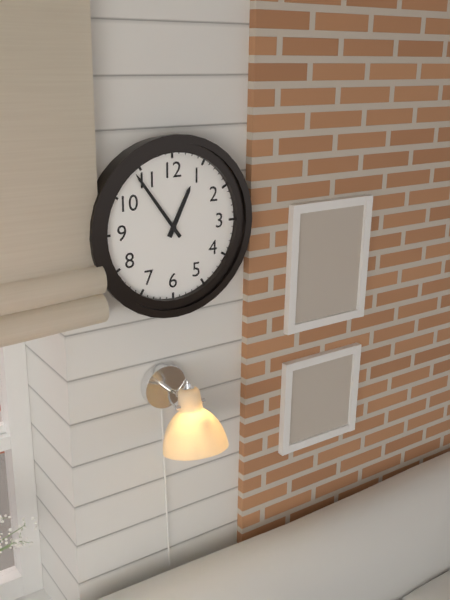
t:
12,54
